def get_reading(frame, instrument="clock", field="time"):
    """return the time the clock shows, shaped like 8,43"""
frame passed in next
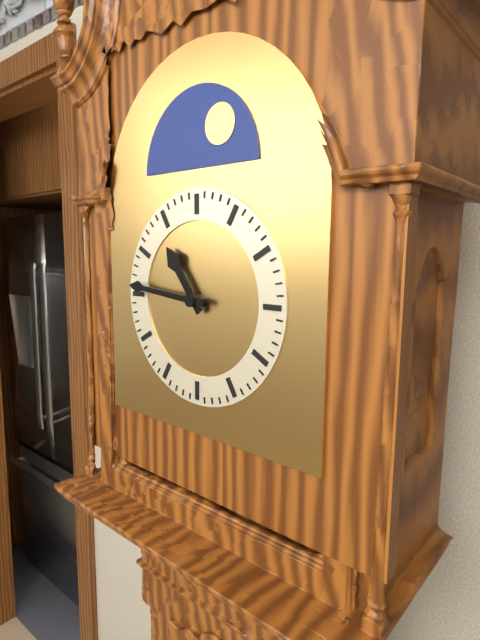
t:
10,46
